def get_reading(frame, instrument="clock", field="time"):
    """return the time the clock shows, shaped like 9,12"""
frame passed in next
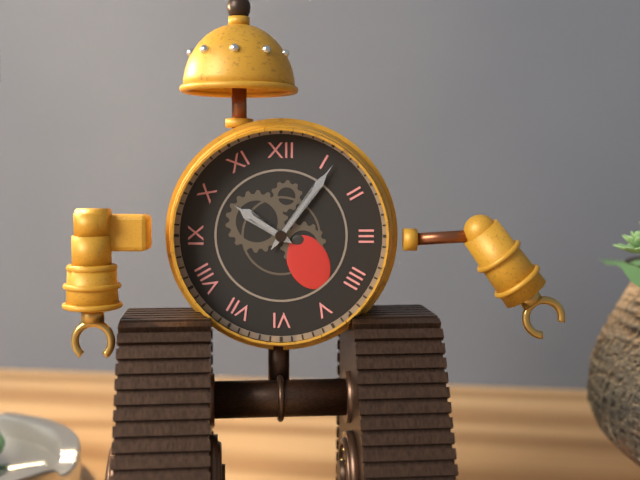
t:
10,06
